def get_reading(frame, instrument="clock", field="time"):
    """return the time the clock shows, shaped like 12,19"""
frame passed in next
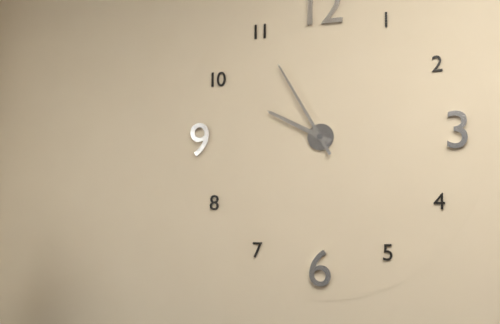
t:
9,55
